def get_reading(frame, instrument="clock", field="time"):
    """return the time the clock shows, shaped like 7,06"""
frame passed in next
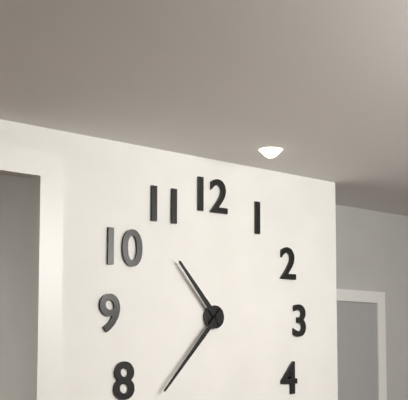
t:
10,37
